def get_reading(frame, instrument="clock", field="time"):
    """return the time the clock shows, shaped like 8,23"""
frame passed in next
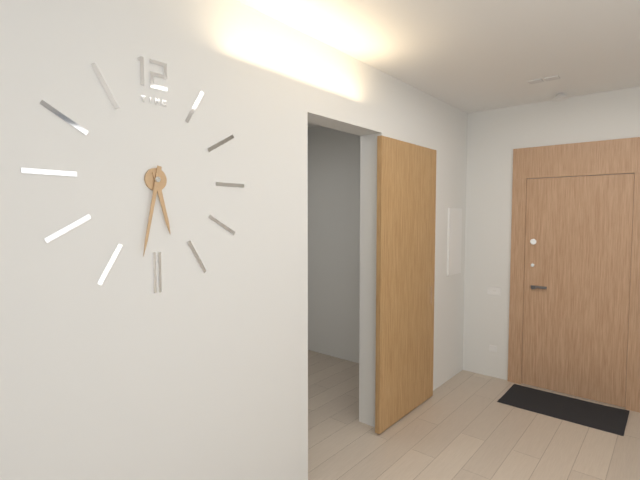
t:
5,32
